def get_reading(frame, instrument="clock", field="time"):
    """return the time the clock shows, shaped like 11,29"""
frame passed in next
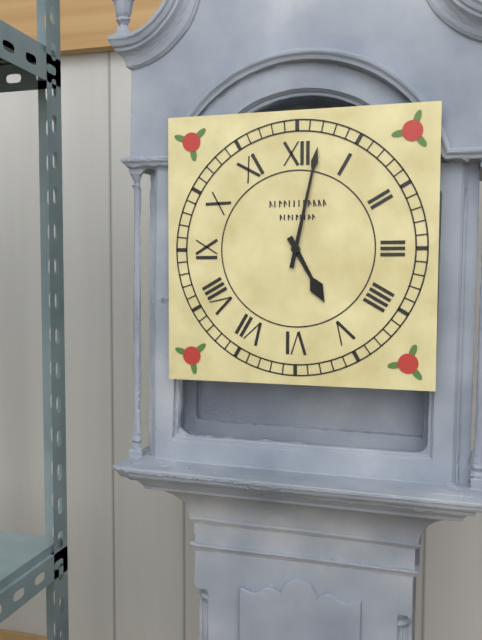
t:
5,02
